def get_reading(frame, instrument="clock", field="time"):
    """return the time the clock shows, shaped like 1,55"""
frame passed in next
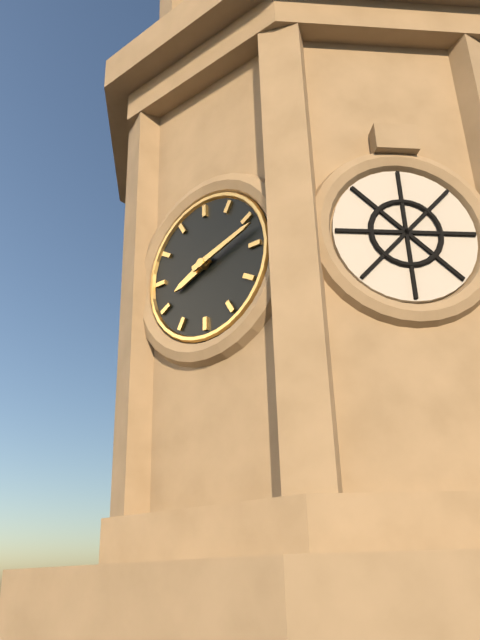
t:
8,12
